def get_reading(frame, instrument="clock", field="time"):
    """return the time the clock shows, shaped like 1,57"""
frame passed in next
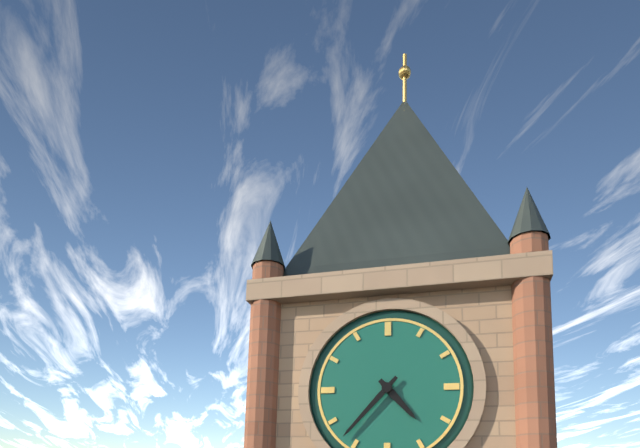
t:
4,37
